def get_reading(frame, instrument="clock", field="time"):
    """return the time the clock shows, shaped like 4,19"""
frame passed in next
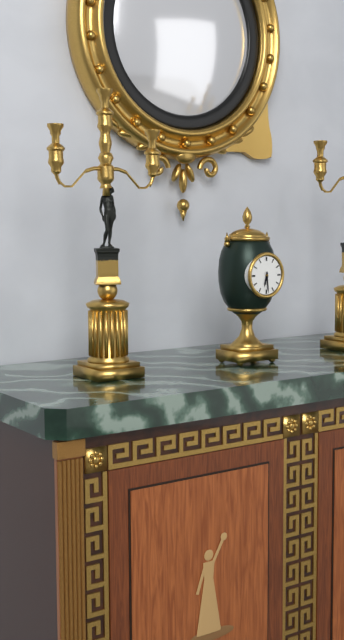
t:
6,29
